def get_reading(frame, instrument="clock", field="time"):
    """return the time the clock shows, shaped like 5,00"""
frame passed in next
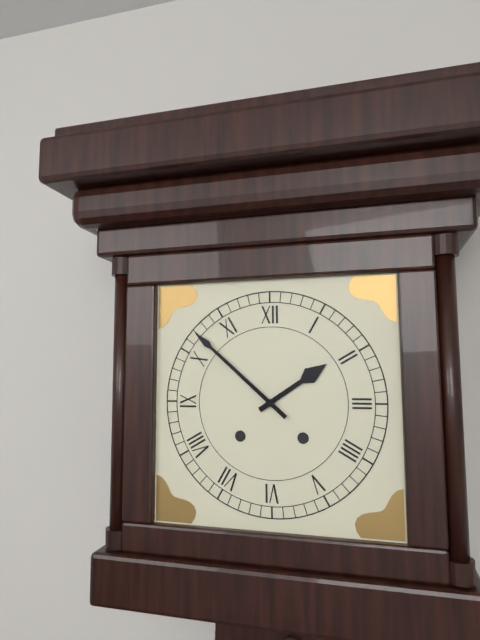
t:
1,52
